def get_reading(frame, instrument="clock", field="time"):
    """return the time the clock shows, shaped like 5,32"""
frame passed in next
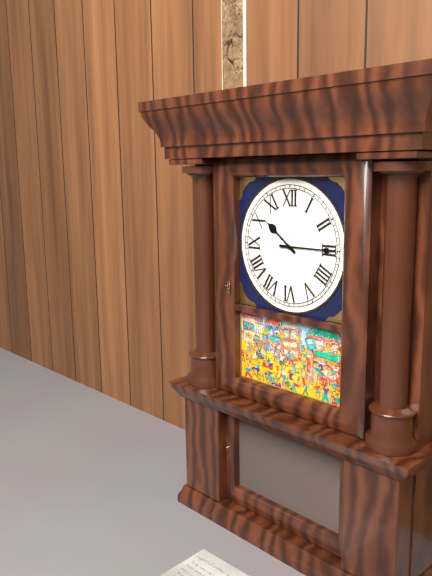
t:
10,15
